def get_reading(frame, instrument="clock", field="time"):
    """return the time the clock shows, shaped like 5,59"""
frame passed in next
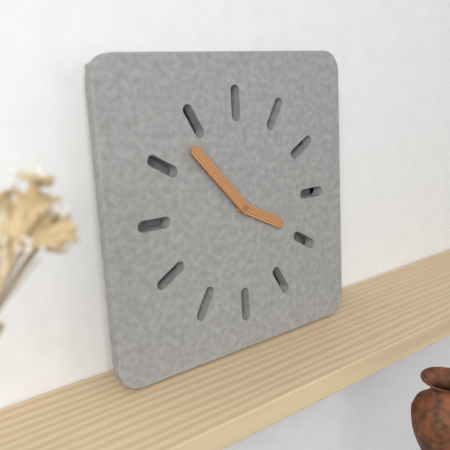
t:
3,53
